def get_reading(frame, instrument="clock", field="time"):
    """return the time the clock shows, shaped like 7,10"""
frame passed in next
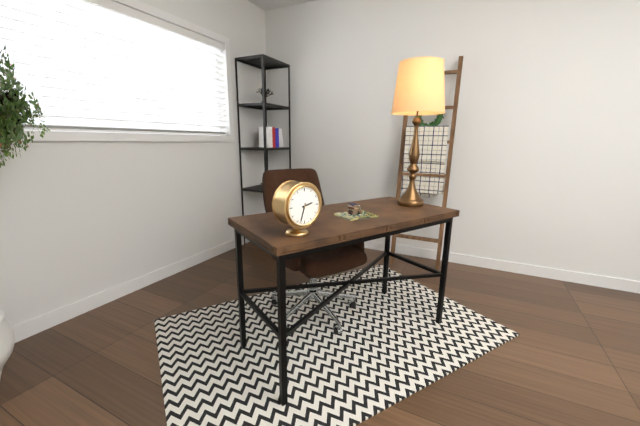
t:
2,33
